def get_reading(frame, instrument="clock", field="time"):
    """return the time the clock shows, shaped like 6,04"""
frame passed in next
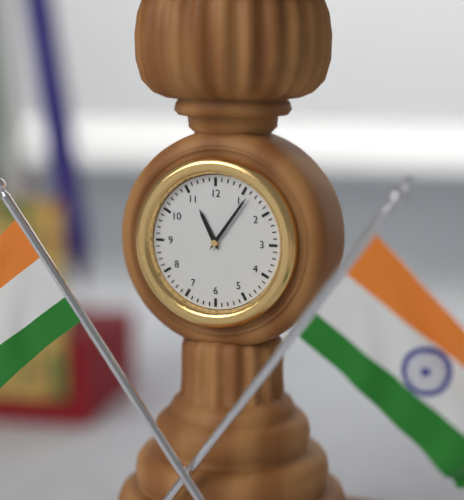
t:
11,06
